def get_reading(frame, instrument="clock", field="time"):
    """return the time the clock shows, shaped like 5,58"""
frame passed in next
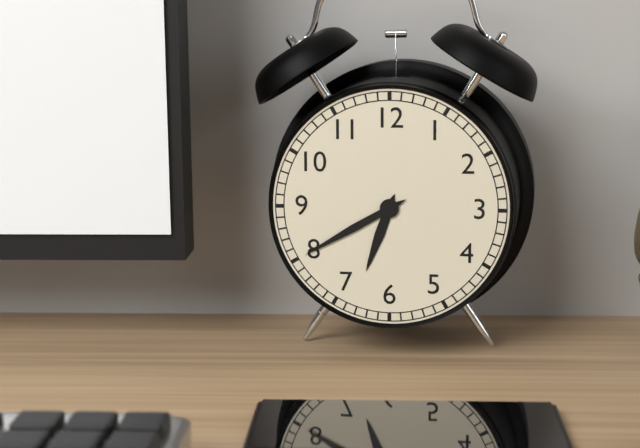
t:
6,40
